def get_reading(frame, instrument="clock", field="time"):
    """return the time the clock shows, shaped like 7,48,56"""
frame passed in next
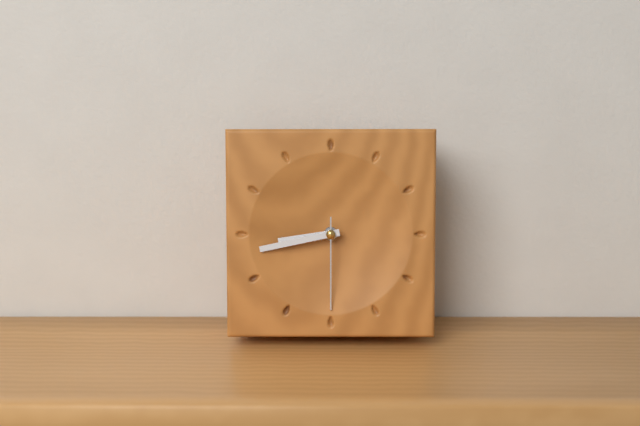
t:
8,43,30
